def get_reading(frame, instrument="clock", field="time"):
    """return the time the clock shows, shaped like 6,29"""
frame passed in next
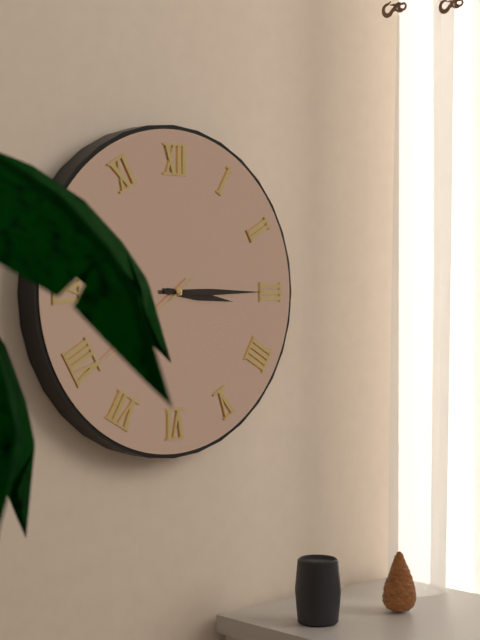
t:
3,15
